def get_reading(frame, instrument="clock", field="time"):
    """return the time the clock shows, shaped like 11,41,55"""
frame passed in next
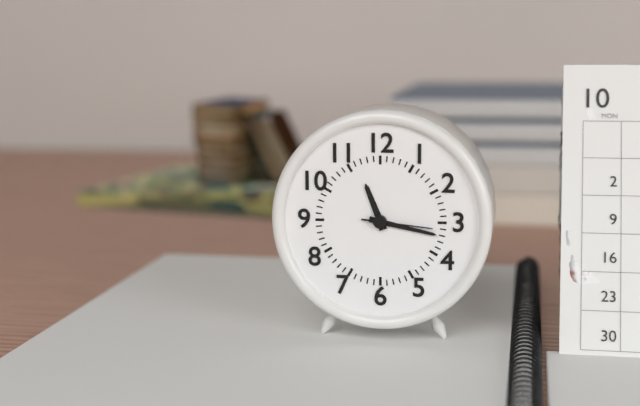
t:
11,17,16
